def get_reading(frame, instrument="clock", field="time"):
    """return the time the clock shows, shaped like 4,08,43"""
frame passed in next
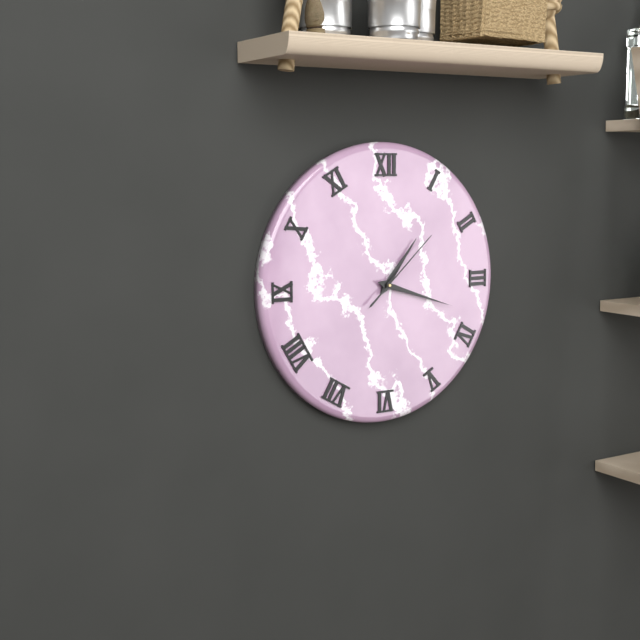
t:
1,18,08
